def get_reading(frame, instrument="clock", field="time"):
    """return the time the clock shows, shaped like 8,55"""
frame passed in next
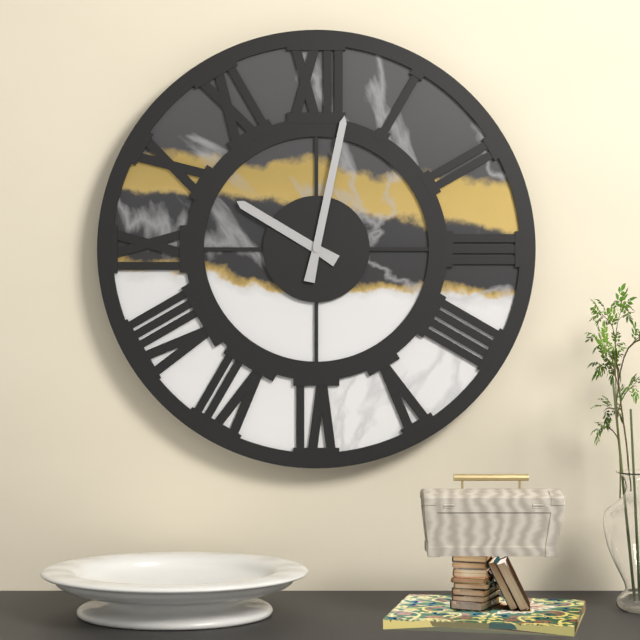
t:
10,02
